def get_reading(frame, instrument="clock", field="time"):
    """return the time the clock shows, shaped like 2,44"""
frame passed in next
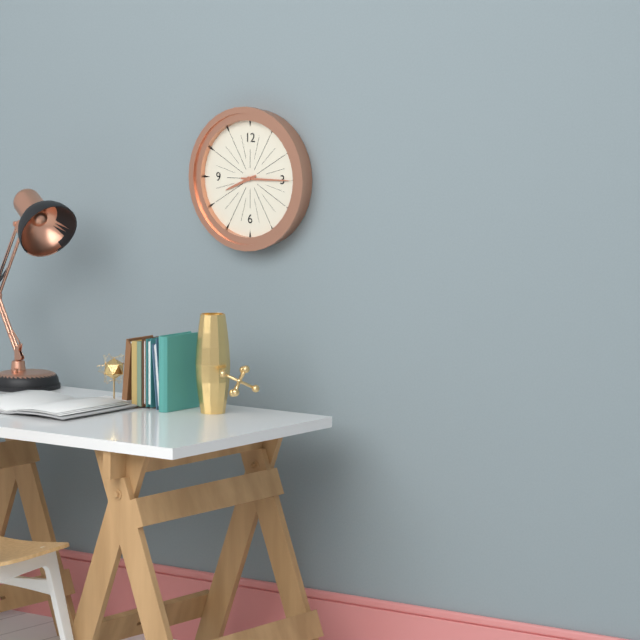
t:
8,15
